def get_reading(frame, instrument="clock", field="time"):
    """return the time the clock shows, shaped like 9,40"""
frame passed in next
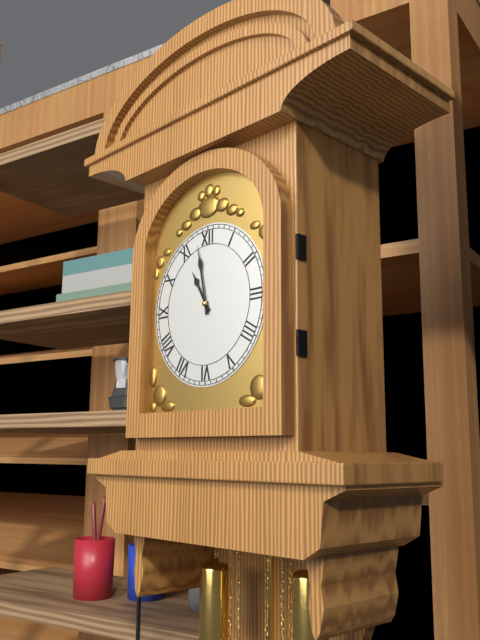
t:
10,58
